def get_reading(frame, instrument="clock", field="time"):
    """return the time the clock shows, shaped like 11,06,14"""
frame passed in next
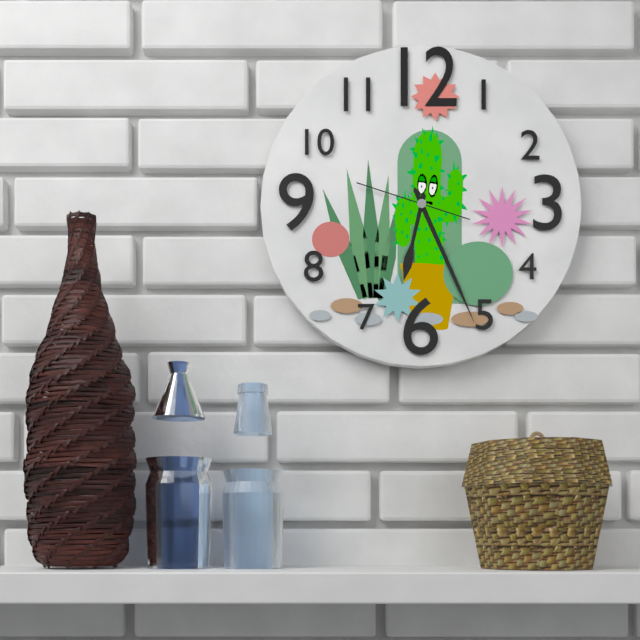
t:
6,26,48
